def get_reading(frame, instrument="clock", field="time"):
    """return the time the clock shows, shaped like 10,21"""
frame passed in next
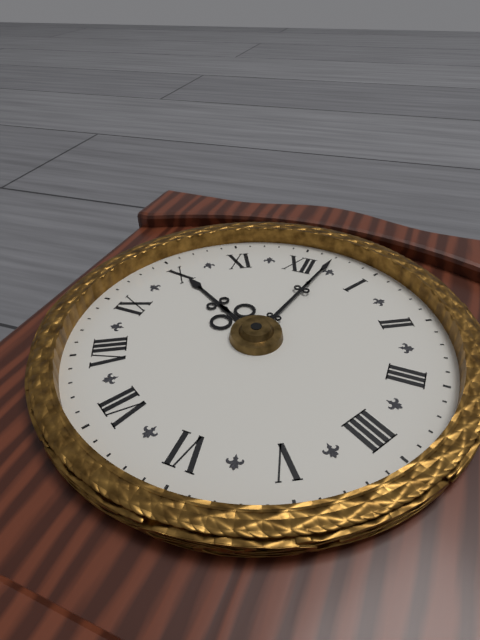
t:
10,02
